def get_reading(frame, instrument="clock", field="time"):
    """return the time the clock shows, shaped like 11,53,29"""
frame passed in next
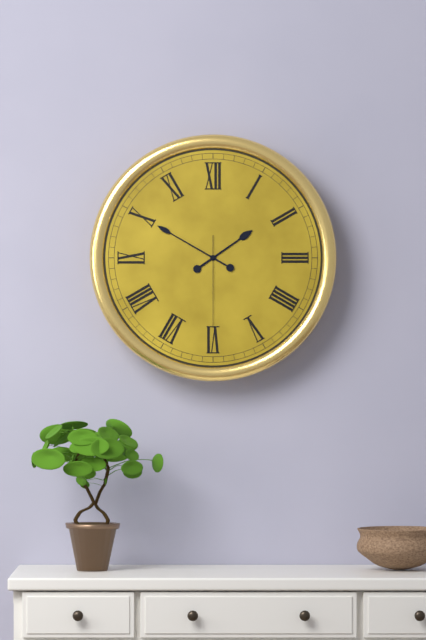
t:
1,50,30
